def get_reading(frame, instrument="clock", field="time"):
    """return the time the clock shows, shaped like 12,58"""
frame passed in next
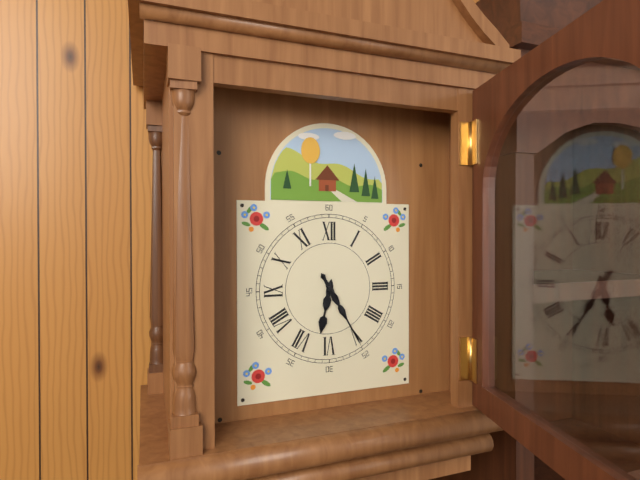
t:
6,25
